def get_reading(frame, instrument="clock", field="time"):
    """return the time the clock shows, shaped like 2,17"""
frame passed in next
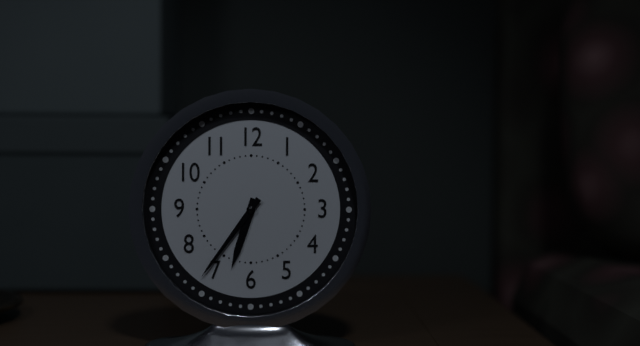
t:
6,36
